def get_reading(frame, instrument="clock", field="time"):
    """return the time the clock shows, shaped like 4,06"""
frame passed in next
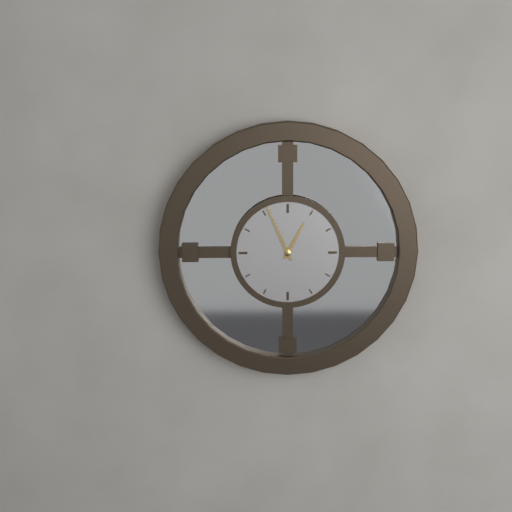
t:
12,56
